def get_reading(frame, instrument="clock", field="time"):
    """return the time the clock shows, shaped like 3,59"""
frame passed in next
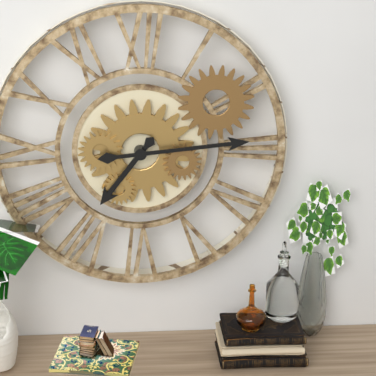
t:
7,14
